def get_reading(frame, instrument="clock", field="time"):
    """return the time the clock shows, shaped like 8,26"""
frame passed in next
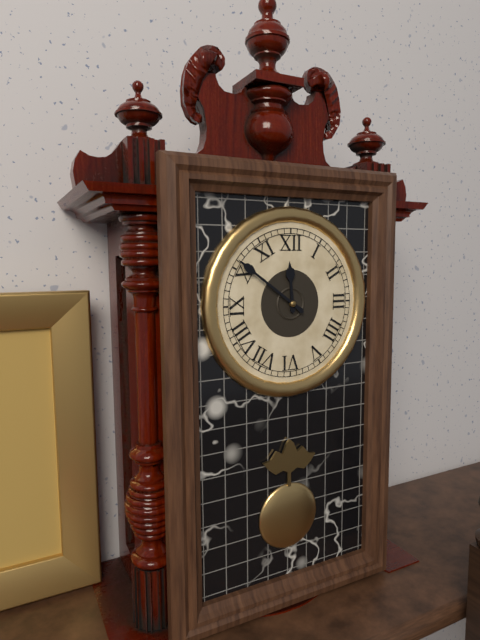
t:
11,51
